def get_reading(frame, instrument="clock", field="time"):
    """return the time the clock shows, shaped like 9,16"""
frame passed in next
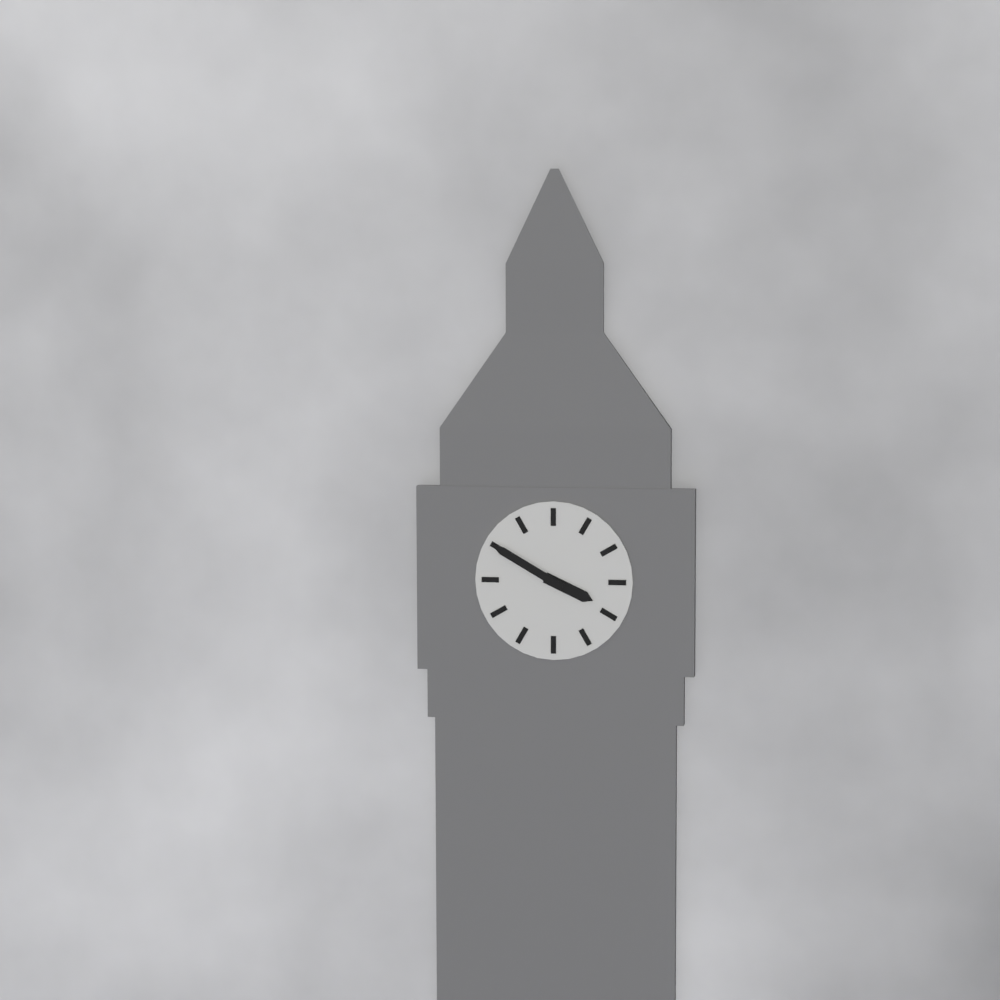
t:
3,50
